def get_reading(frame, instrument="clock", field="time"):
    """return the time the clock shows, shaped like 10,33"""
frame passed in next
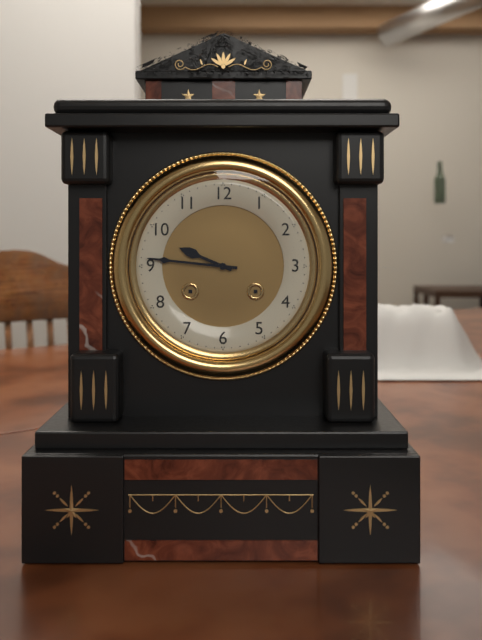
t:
9,46
